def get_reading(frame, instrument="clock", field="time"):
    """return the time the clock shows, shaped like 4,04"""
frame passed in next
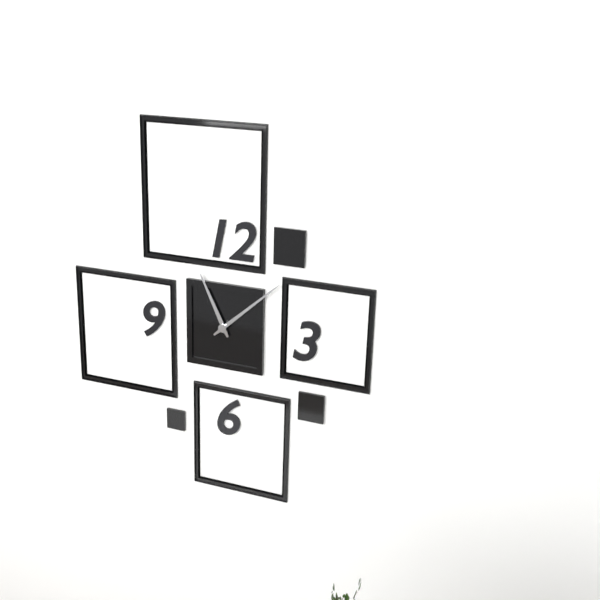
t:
11,08
